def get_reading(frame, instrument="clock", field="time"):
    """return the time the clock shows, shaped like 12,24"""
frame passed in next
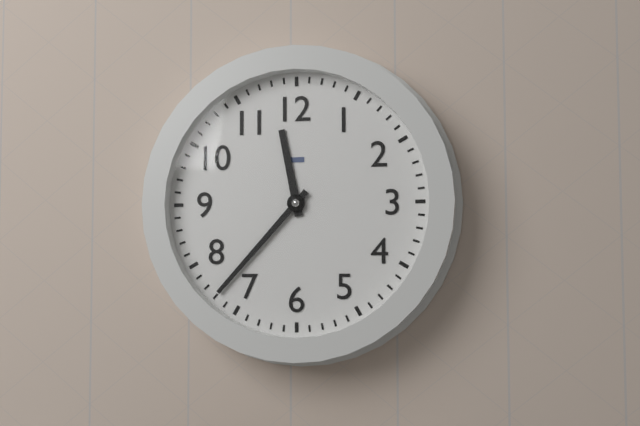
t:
11,37
